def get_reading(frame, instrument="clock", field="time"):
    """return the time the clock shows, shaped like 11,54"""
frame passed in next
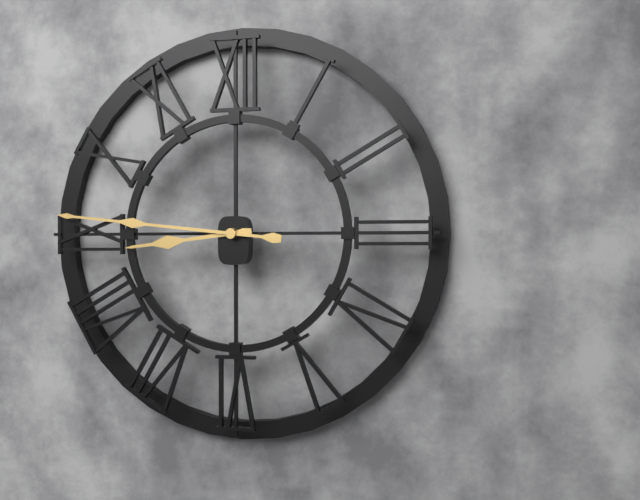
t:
8,46
